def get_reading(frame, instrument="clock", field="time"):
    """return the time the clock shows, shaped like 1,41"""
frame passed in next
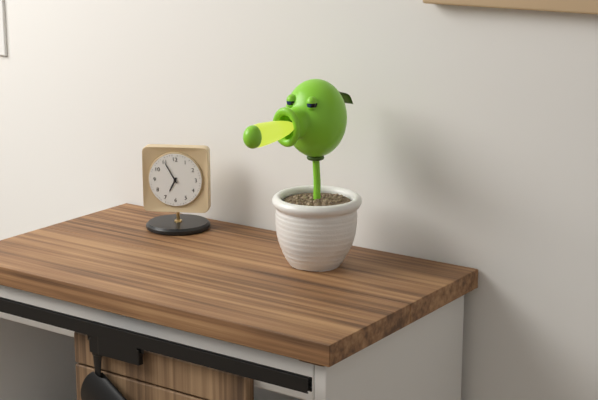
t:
6,55
